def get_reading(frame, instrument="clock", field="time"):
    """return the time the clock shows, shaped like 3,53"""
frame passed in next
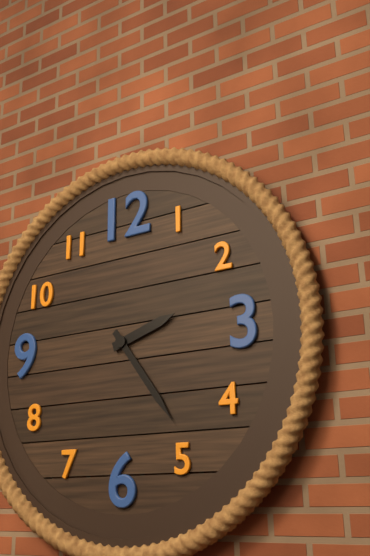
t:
2,24
